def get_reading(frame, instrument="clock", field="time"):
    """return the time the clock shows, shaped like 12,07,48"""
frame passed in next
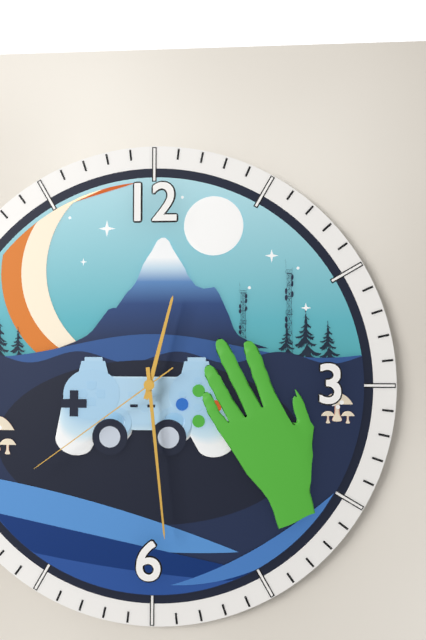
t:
12,29,39
